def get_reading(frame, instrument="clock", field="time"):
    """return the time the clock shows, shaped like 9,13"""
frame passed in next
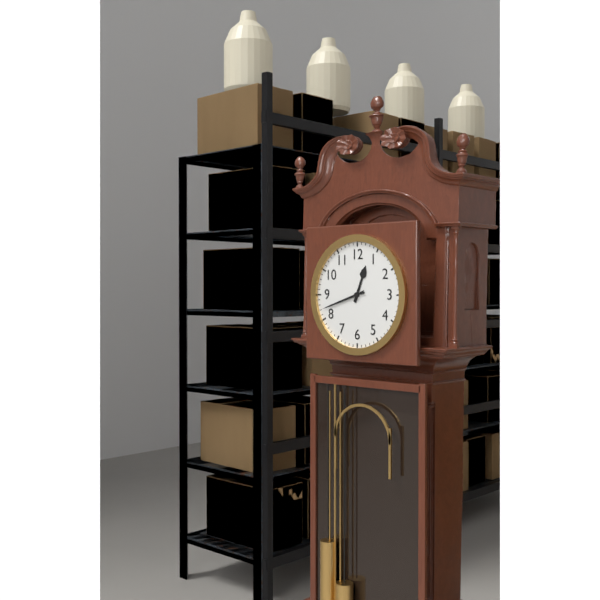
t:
12,42
